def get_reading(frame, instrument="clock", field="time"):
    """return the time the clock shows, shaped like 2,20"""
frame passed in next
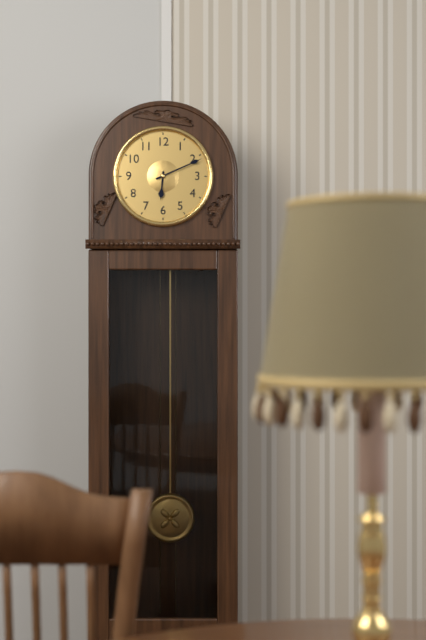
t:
6,11
